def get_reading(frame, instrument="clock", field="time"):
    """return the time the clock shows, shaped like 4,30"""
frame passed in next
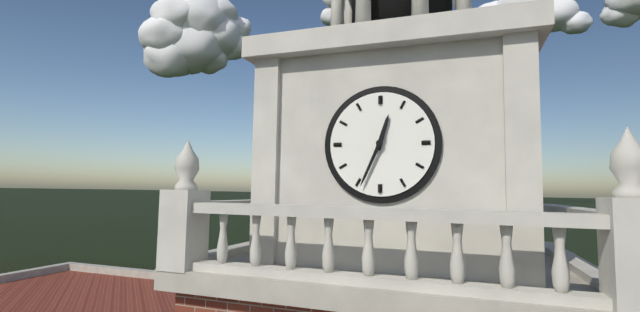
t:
12,34
